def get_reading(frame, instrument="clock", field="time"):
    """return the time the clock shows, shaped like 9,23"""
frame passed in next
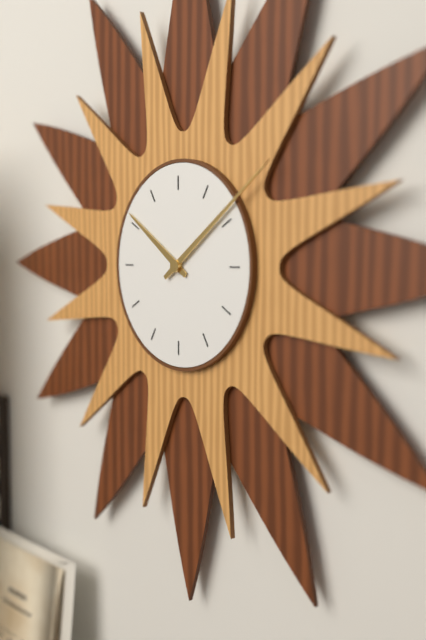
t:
10,09
